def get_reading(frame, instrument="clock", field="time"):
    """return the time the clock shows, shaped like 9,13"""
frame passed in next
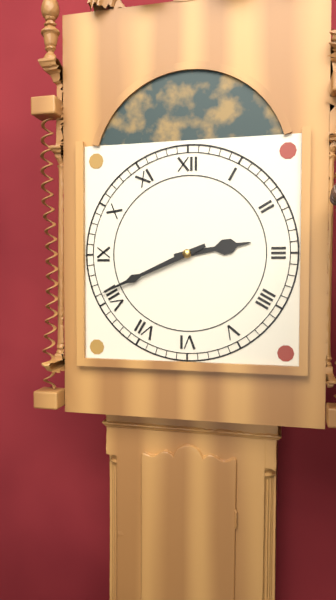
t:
2,41
